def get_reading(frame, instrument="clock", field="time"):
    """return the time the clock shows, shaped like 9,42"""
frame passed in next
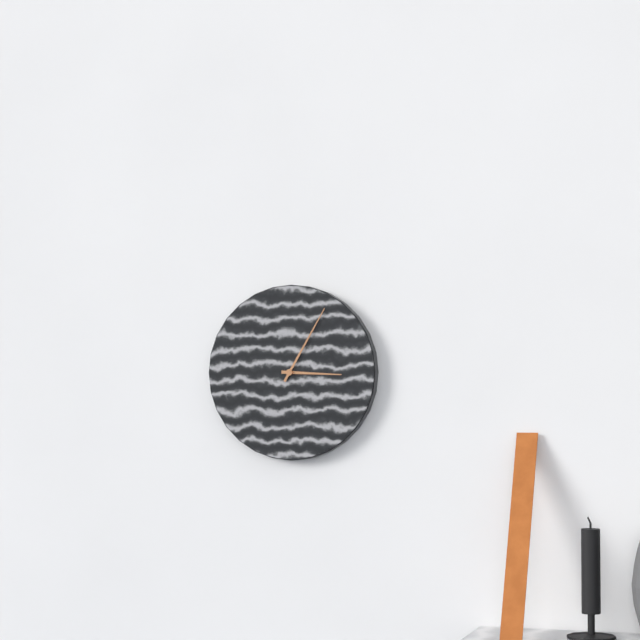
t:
3,05
